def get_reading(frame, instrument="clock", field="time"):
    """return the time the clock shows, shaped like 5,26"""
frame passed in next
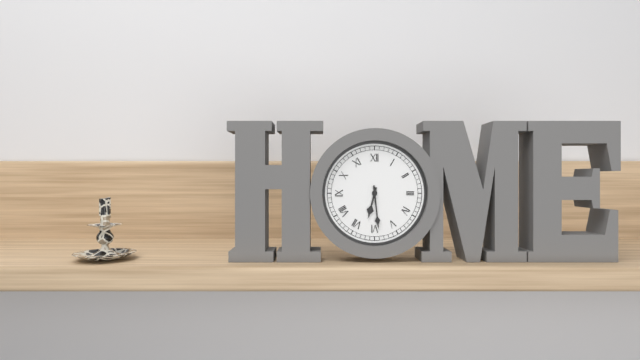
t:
6,29
